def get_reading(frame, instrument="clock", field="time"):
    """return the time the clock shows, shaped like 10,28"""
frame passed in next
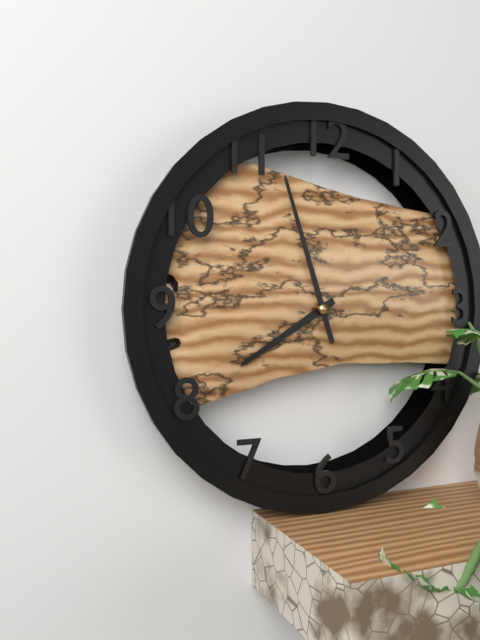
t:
7,57
